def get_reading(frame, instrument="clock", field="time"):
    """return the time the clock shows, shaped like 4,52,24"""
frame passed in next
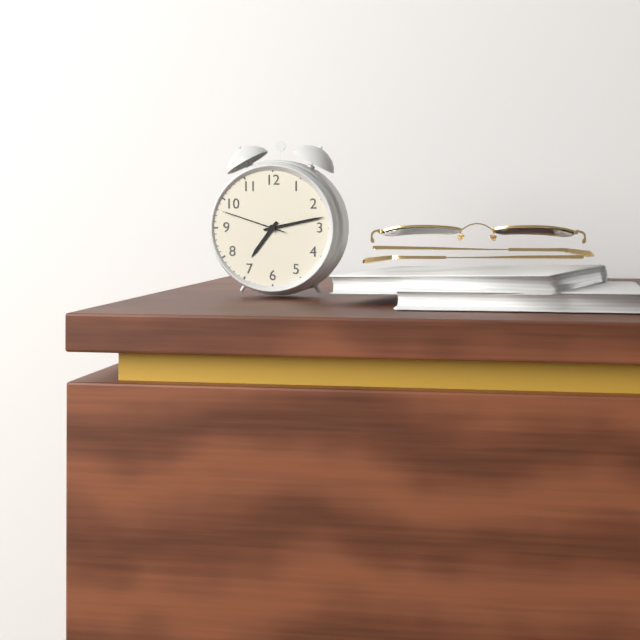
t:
7,13,48
